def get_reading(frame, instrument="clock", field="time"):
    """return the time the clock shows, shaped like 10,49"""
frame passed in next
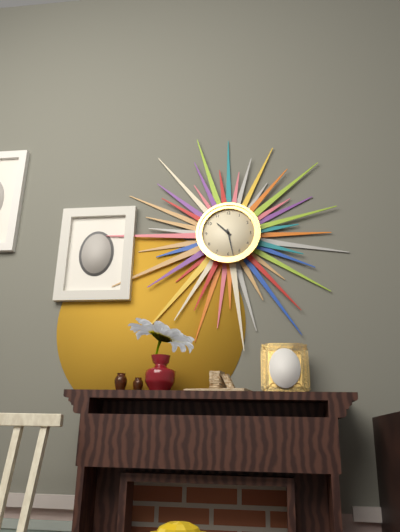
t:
10,28
